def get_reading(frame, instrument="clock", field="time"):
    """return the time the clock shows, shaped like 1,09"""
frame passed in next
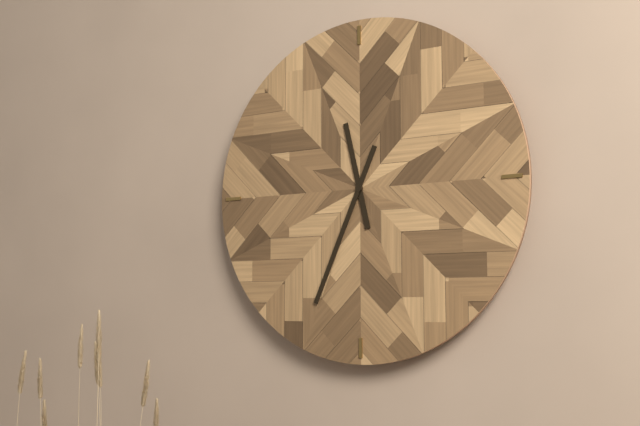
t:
11,34
